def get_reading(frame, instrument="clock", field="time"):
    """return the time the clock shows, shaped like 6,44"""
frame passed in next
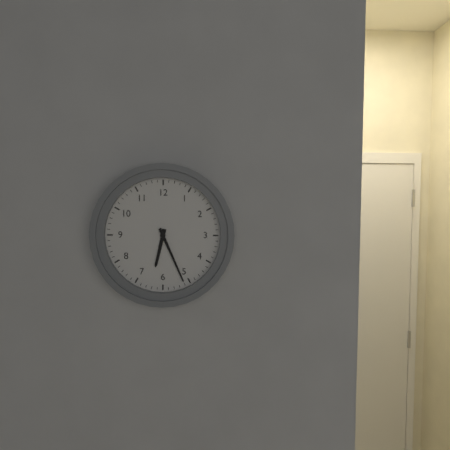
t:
6,26
